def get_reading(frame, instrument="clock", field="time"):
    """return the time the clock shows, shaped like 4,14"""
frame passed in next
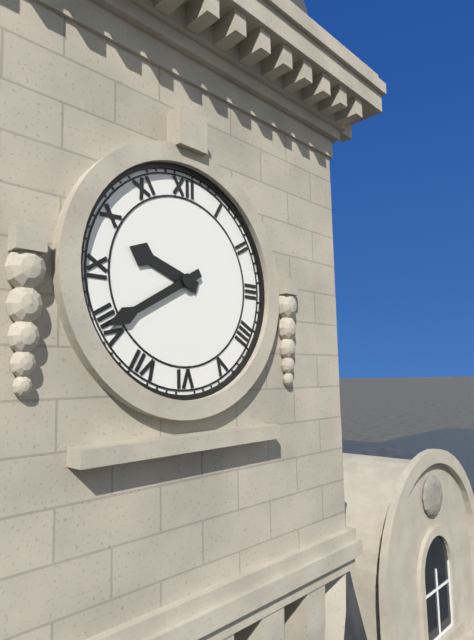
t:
9,40
